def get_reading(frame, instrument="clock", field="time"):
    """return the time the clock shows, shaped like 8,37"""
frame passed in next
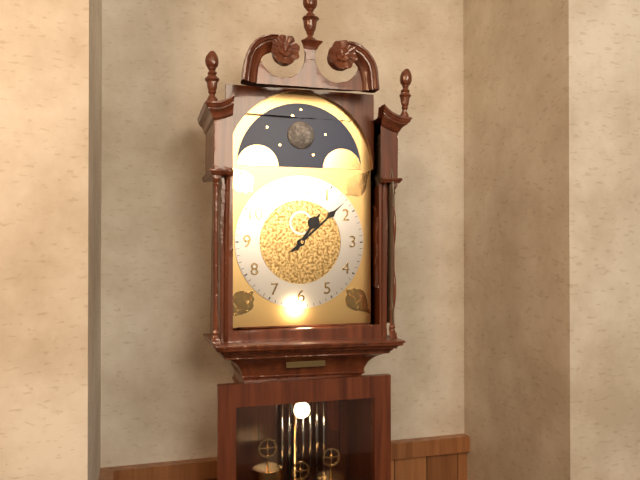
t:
1,08
